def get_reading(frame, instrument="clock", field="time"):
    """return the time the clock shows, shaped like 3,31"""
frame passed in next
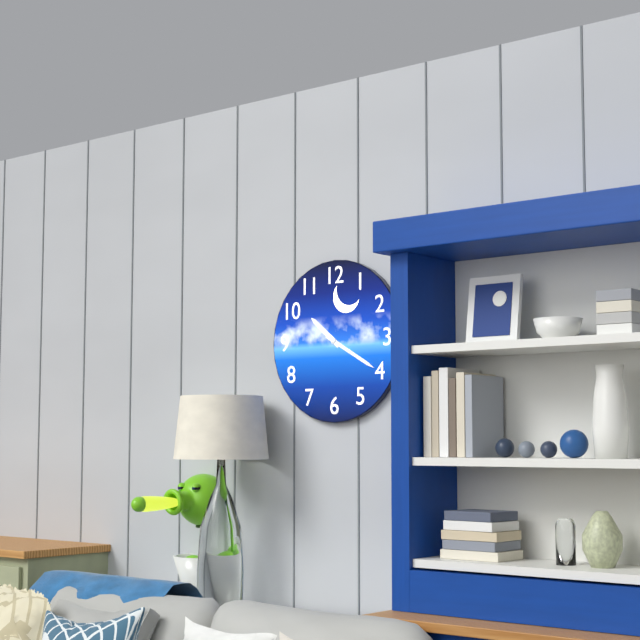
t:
10,20
